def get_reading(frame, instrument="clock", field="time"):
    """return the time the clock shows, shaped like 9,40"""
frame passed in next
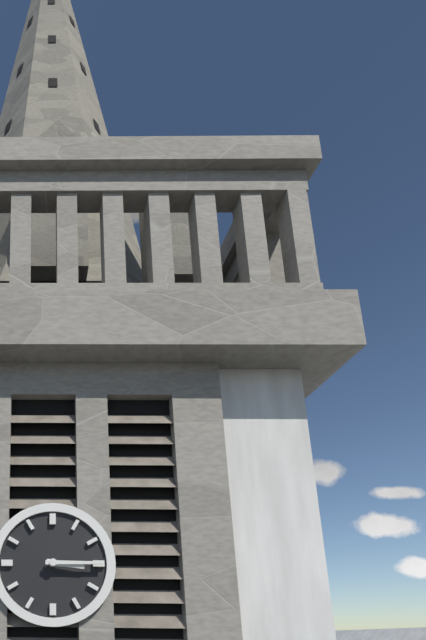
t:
3,15
